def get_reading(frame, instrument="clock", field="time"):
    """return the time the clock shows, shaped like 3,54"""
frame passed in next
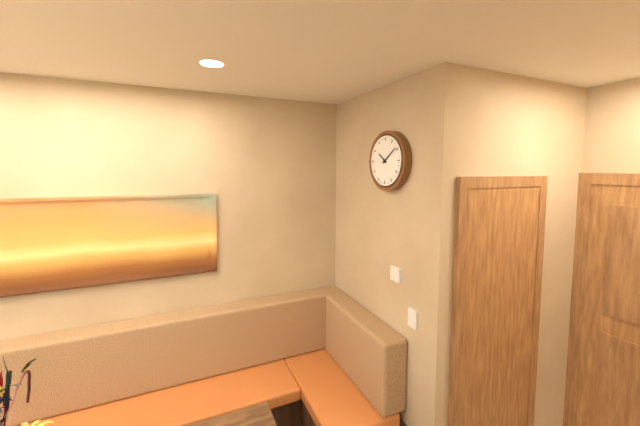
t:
10,09
